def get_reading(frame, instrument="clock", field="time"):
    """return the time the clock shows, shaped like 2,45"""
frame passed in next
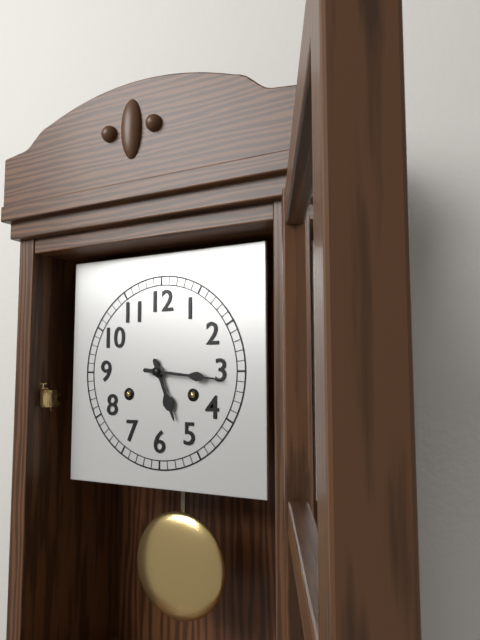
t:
5,16
